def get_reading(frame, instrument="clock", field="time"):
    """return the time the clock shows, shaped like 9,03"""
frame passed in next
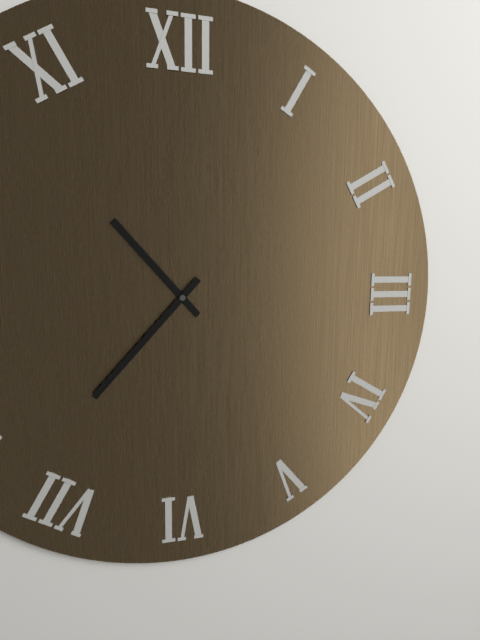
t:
10,37
